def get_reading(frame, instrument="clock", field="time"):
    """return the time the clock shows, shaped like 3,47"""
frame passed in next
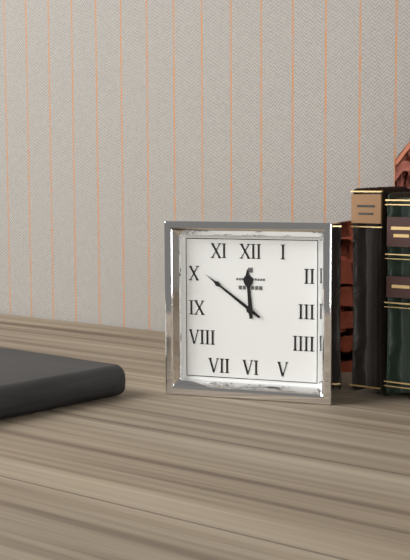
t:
11,51
